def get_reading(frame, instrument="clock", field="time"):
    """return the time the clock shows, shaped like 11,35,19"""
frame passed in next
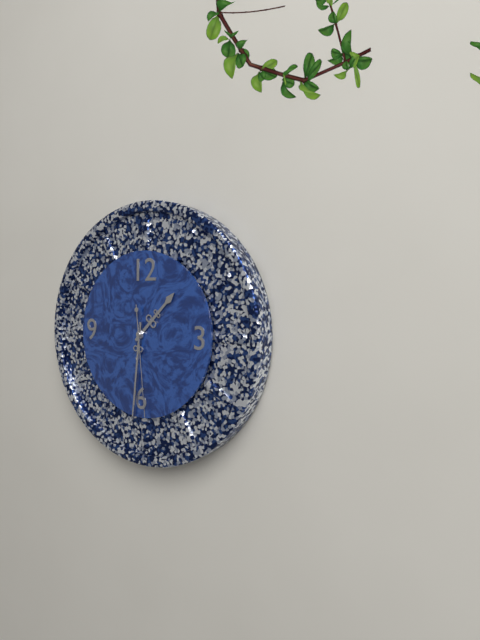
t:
1,31,29
